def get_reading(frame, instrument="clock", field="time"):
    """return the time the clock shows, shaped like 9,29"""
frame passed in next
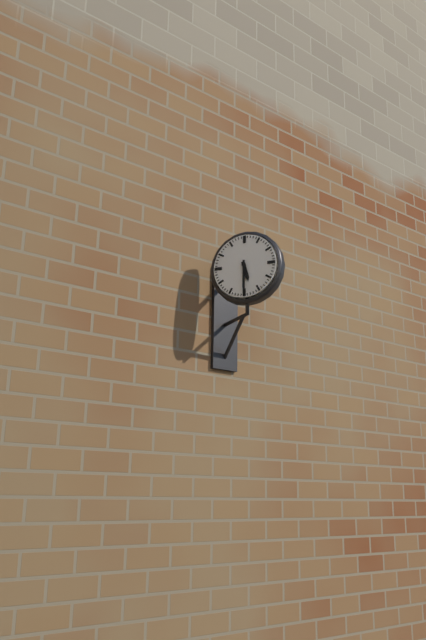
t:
5,30
